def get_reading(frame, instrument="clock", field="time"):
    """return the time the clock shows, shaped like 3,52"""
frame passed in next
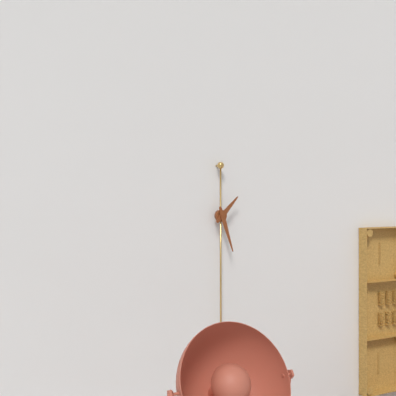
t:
1,27
